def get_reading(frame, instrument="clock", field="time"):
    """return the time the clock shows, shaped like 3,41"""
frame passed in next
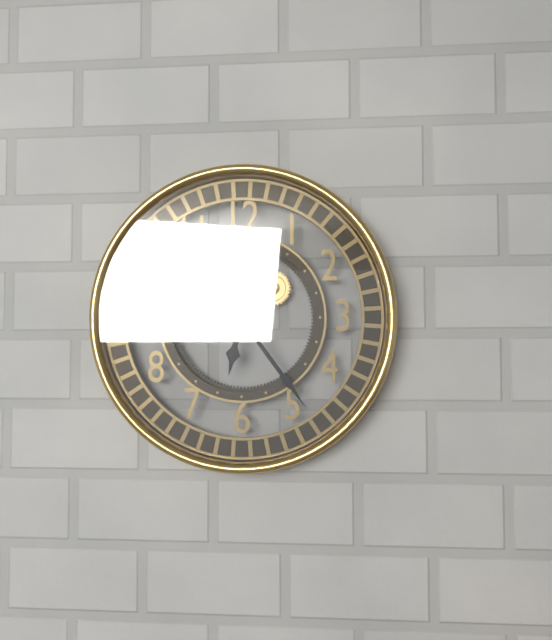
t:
6,24
